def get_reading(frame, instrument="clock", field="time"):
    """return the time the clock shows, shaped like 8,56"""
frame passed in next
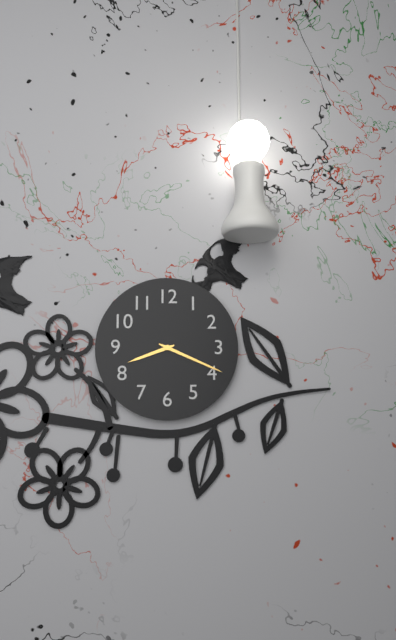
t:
8,19
